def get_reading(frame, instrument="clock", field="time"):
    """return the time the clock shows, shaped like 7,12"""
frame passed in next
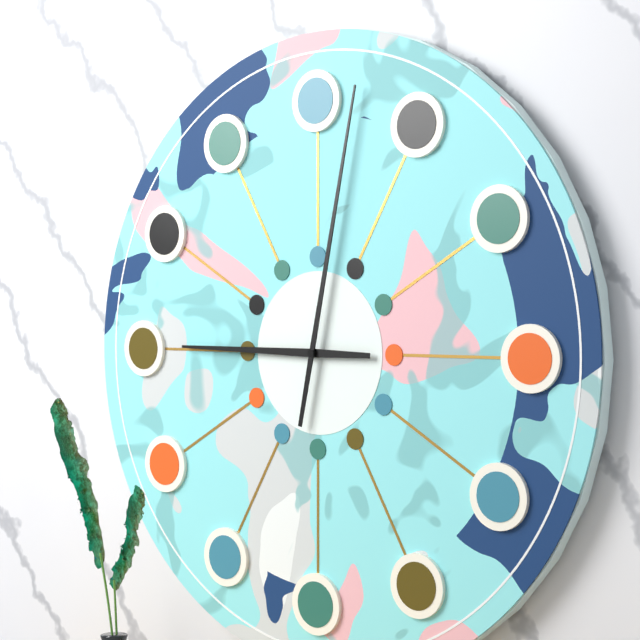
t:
9,02
